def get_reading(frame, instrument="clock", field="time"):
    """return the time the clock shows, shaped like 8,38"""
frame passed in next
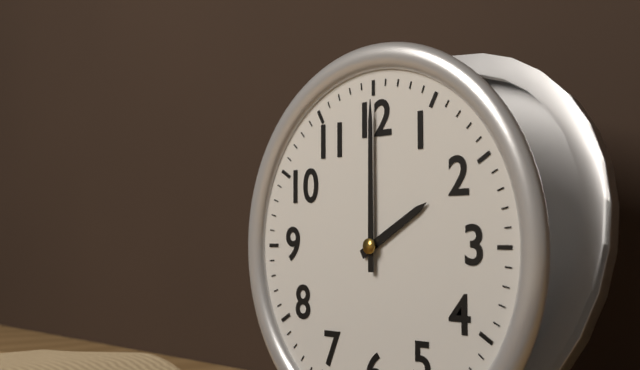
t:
2,00
